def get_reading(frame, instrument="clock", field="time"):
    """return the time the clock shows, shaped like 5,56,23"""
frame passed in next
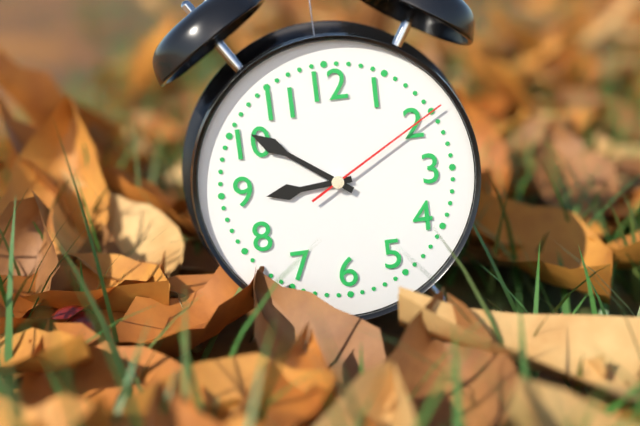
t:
8,51,10
